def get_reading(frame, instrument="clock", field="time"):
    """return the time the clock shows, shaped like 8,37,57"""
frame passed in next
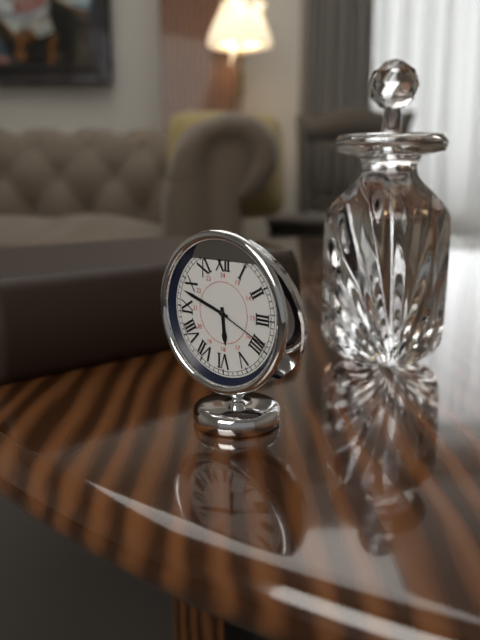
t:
5,48,19
